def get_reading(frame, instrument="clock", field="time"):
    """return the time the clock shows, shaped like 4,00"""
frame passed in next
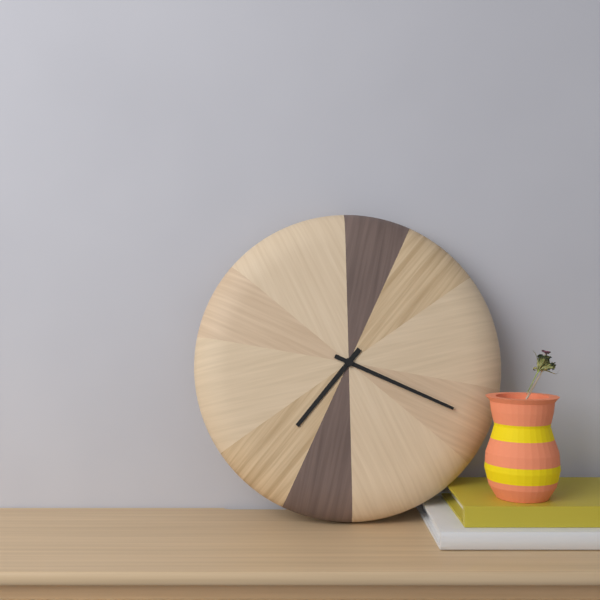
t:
7,19
